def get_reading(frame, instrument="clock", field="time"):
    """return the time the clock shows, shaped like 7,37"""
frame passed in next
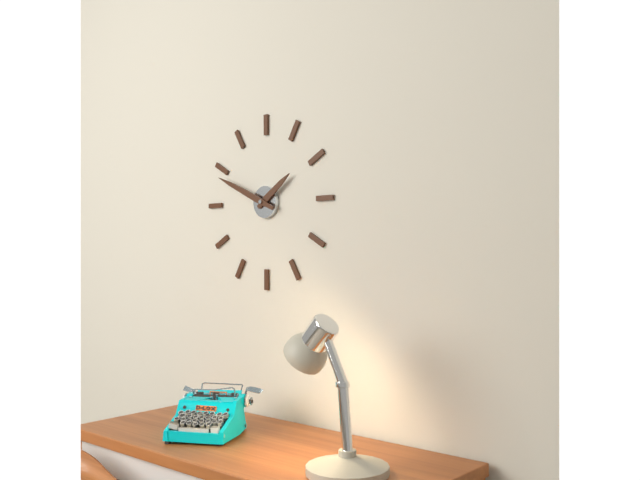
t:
1,49
